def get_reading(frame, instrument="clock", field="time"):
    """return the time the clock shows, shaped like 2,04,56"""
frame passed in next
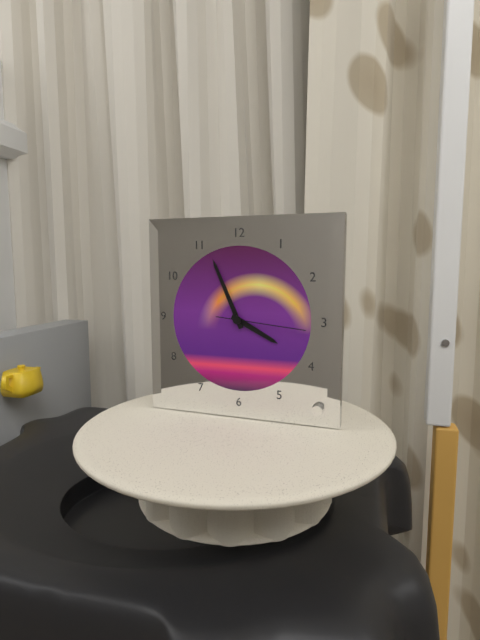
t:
3,56,16
